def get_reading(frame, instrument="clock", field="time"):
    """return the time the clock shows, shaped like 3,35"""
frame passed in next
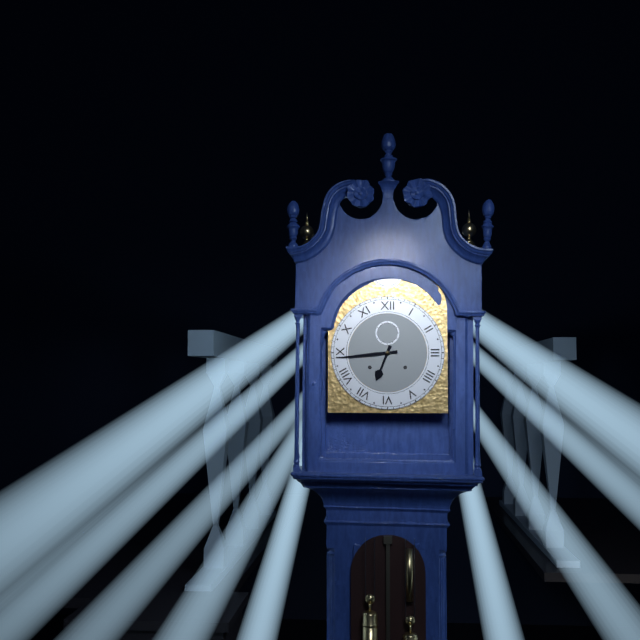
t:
6,44
